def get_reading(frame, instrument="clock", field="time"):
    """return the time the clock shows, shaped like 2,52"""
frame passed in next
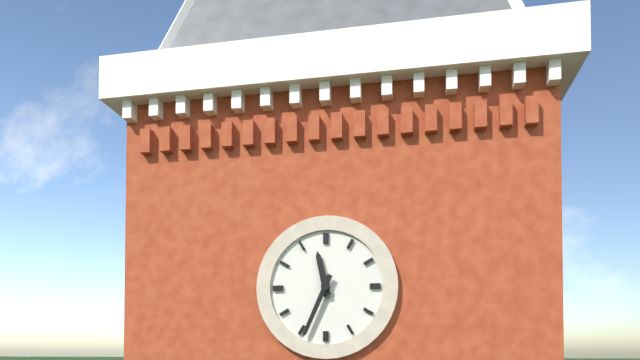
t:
11,34
